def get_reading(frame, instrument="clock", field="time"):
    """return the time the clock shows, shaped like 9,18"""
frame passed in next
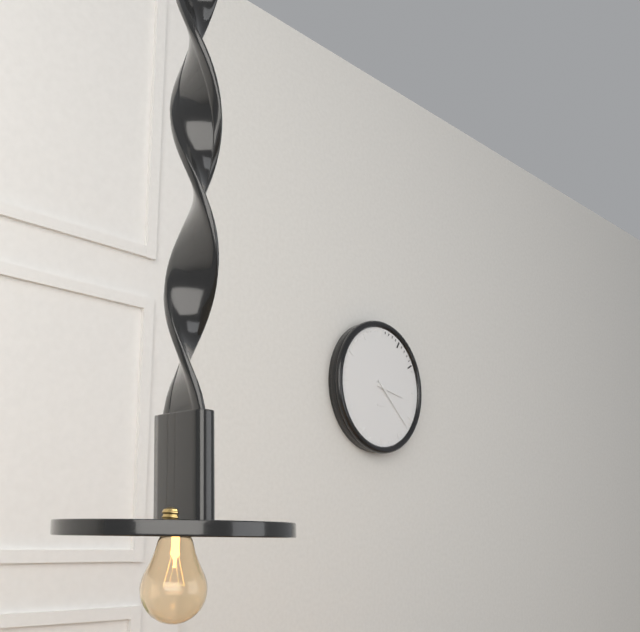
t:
3,22
